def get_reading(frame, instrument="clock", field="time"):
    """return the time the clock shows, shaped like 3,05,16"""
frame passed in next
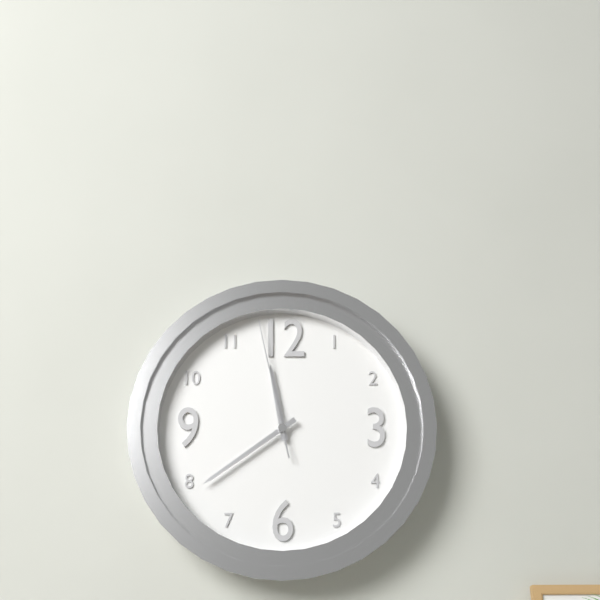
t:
11,39,58
